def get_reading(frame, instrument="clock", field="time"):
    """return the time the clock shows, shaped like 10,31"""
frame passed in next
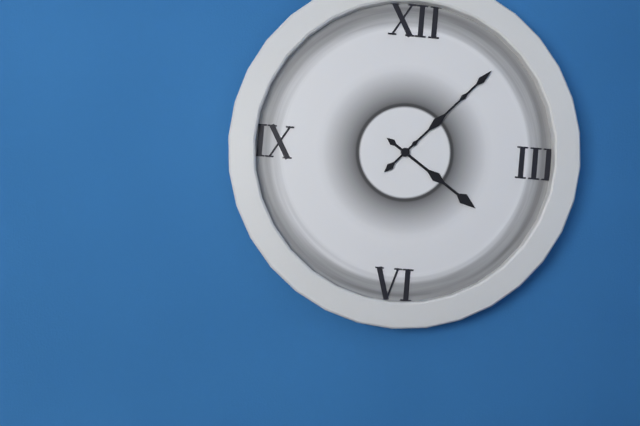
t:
4,07
